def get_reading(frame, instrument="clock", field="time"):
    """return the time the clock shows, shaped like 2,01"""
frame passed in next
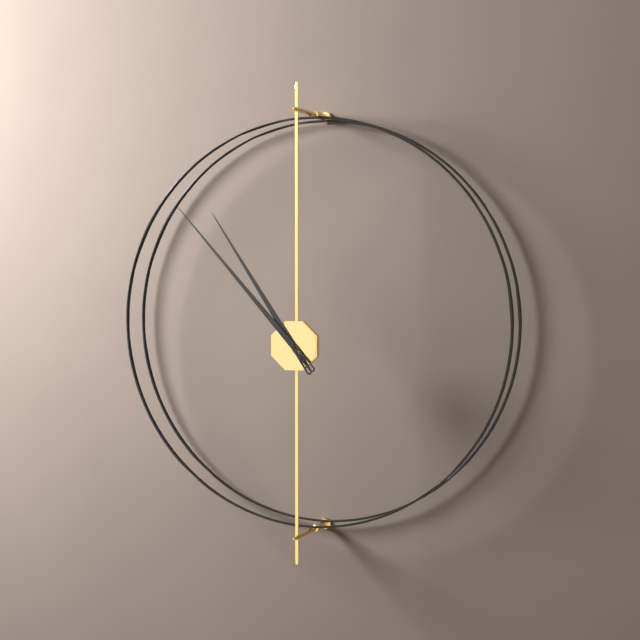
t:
10,53
